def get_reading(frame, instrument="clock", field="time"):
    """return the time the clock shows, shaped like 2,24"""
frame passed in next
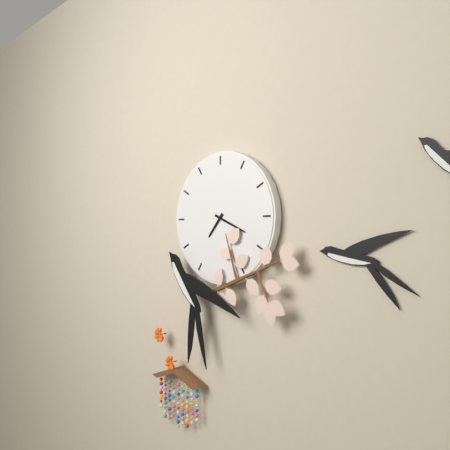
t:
7,19
